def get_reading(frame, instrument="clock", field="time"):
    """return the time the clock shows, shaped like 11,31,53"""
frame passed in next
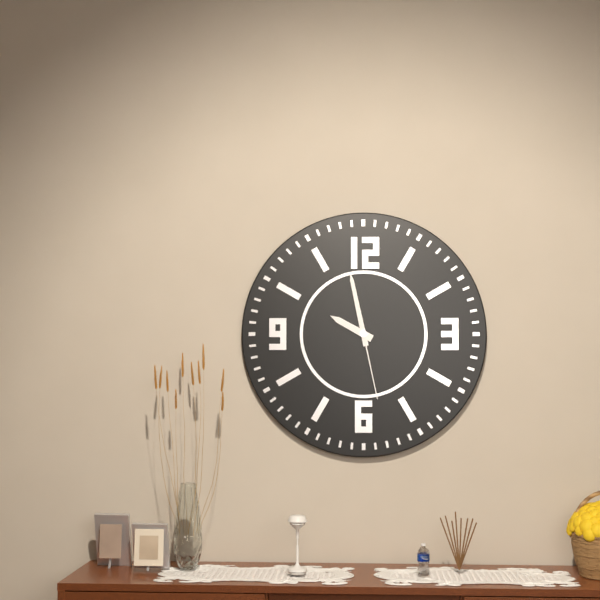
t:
9,58,28
